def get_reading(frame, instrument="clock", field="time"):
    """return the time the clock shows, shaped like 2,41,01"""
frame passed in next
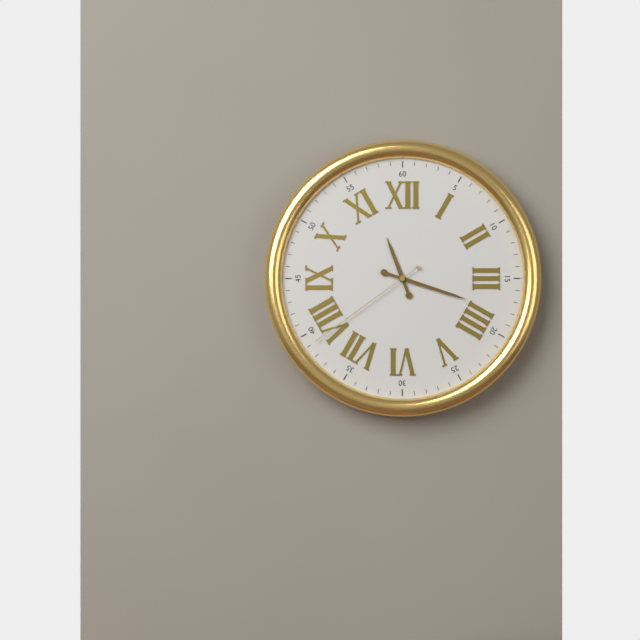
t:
11,18,39
